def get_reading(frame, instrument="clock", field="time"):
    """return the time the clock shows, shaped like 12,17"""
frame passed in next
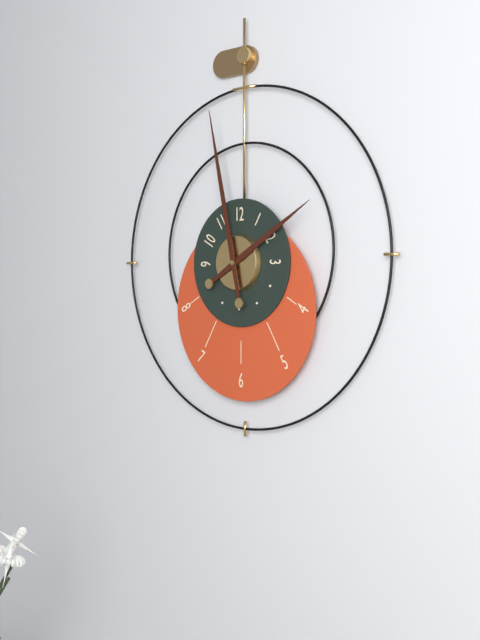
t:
1,58
